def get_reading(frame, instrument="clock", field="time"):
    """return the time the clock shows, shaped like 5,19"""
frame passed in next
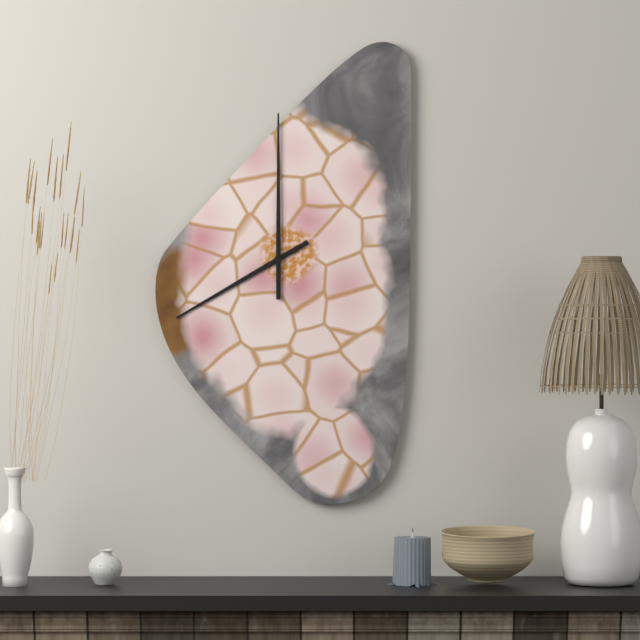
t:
8,00
